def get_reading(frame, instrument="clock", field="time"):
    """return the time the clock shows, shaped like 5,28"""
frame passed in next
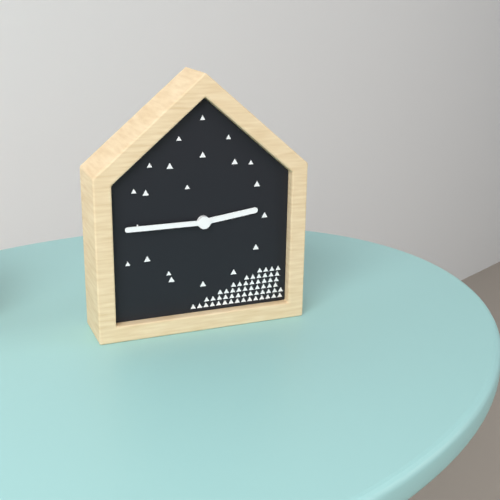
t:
2,45
